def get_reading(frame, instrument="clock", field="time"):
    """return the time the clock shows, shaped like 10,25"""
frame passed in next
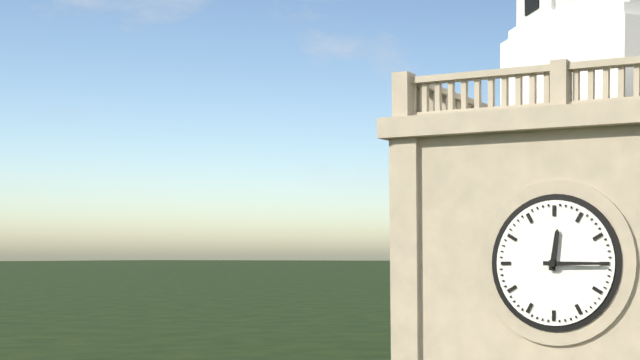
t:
12,15
